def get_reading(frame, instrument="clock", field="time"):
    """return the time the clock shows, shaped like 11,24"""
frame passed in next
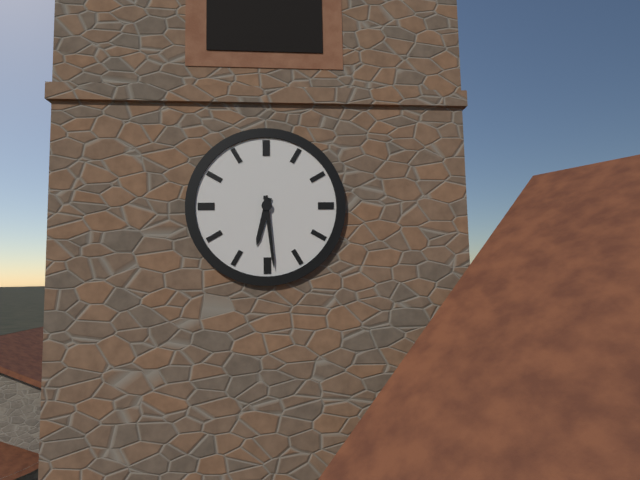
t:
6,29
